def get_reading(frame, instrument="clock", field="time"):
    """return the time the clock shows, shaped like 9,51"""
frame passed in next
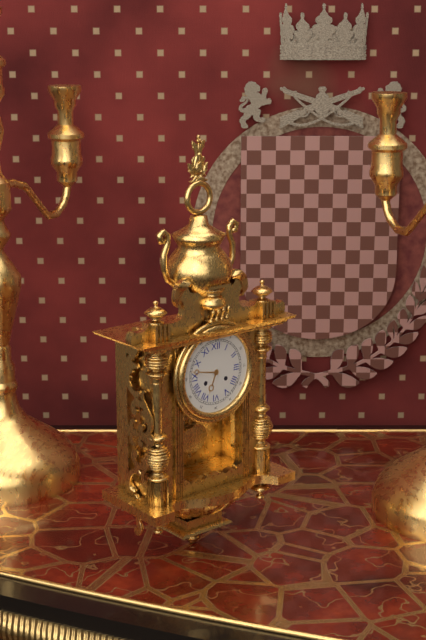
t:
6,47
